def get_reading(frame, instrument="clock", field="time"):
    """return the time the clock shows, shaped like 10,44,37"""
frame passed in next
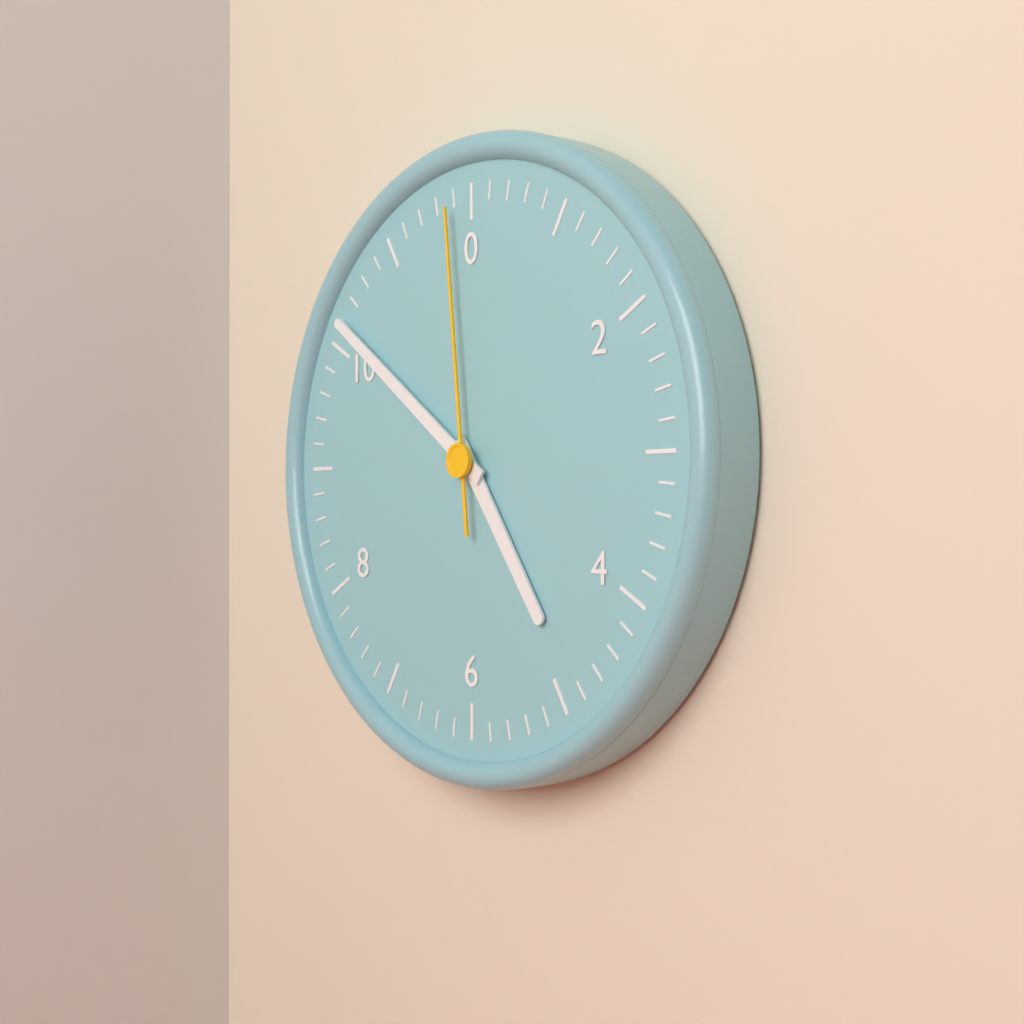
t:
4,51,59
